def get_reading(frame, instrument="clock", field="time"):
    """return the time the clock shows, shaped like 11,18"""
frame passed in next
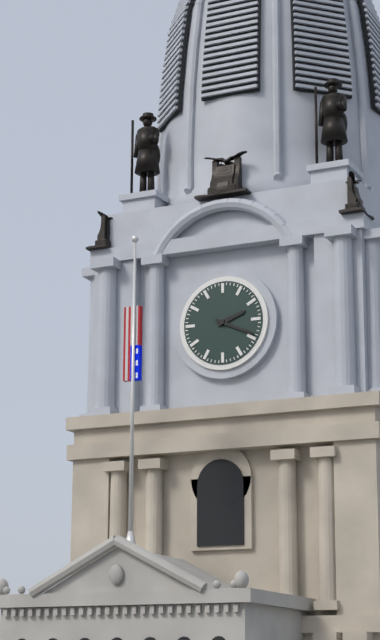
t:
2,19
